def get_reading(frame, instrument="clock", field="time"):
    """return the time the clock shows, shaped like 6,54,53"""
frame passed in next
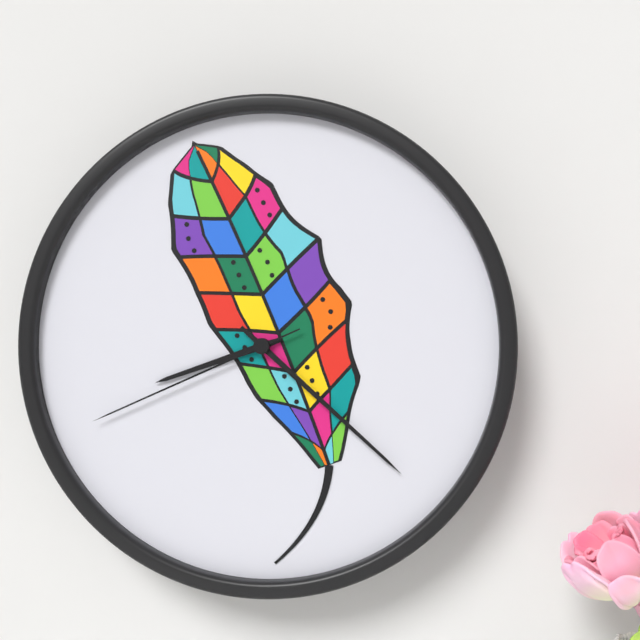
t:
8,22,41
